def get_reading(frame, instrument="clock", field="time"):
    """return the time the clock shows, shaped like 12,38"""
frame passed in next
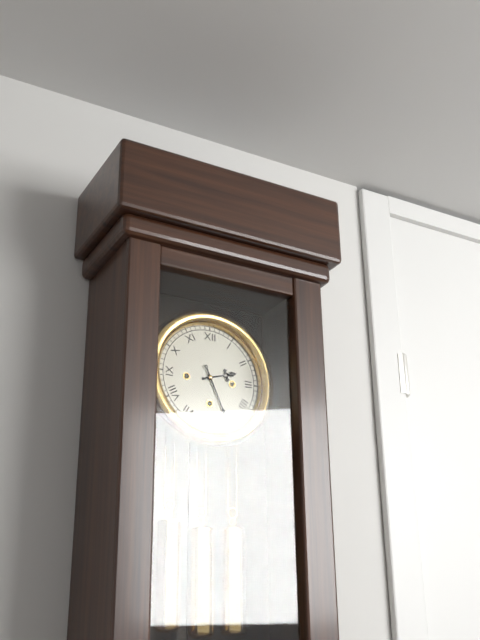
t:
2,26
